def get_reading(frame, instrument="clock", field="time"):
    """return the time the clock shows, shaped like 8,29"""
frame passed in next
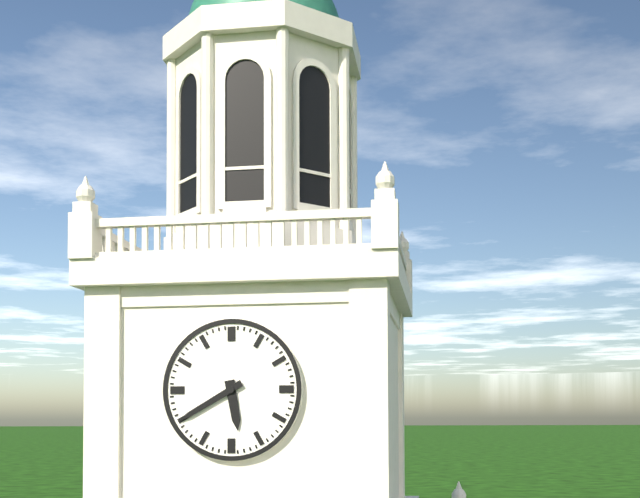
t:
5,40
